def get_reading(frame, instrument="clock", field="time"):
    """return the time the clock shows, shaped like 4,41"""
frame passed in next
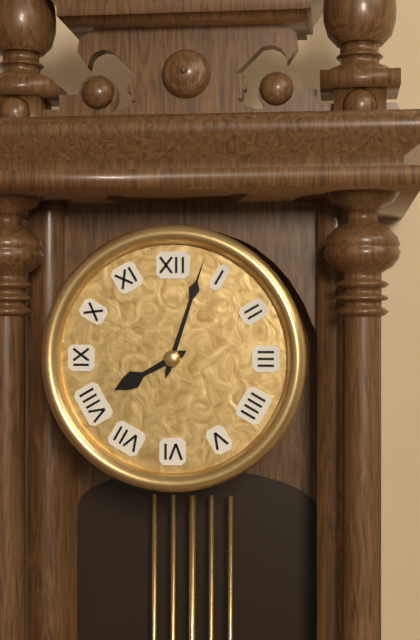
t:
8,03
